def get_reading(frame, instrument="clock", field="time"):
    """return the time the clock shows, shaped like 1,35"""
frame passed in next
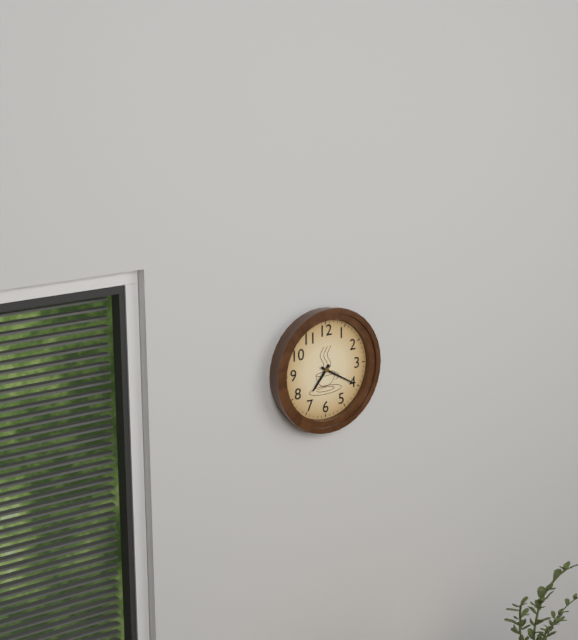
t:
7,20
